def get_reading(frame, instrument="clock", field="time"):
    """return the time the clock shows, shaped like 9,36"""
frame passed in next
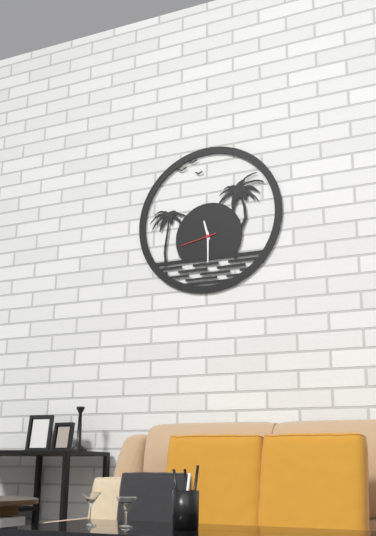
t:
11,30
